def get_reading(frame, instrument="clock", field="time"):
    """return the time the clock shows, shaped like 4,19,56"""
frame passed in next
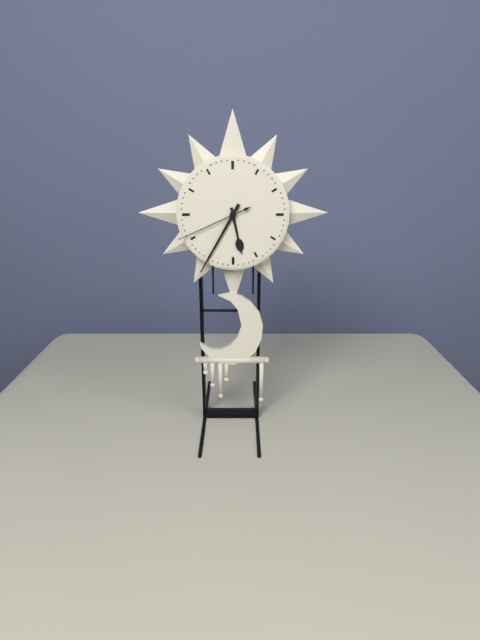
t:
5,35,41
